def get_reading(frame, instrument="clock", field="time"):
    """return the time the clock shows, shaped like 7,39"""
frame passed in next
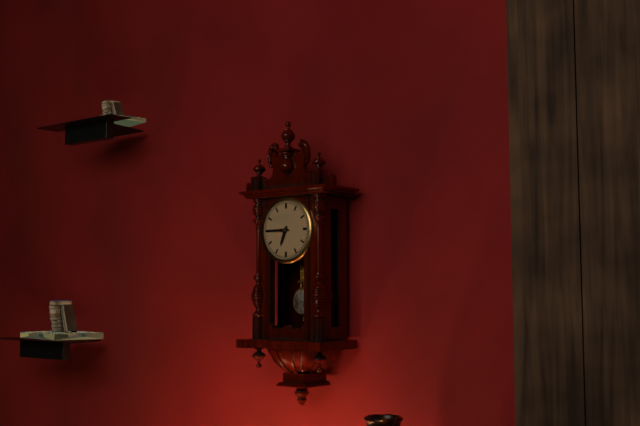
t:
6,45
